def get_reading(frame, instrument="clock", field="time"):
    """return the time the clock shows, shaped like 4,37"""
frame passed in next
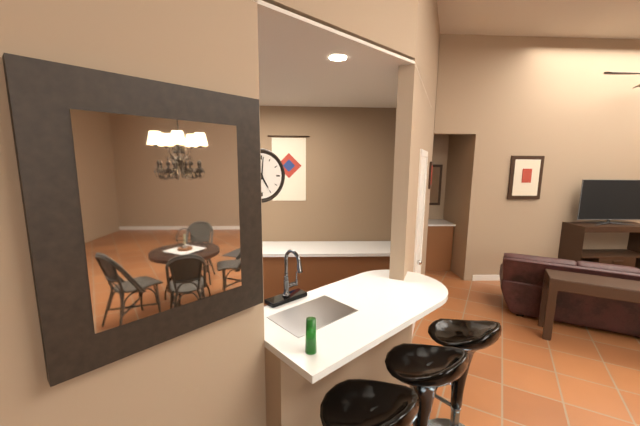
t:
5,01
